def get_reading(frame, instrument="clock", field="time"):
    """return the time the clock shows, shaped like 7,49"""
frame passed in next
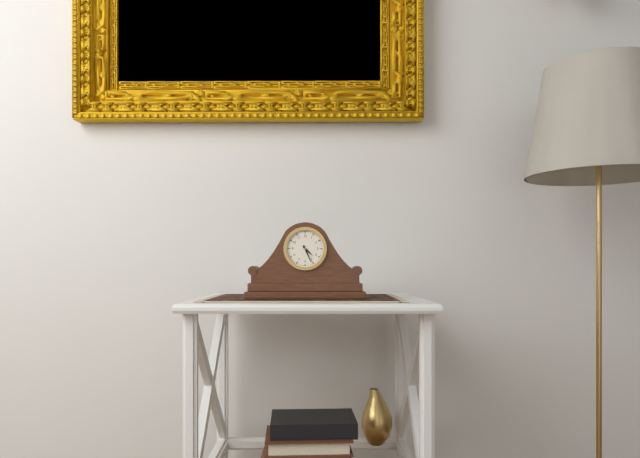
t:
4,26
